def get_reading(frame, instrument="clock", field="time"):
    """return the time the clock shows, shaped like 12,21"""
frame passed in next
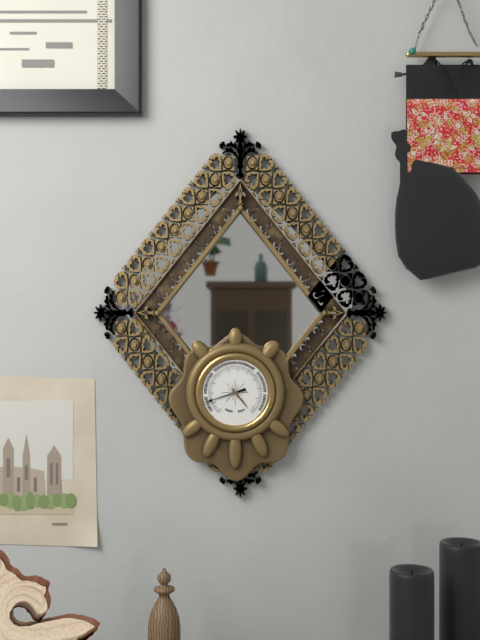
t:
4,42
